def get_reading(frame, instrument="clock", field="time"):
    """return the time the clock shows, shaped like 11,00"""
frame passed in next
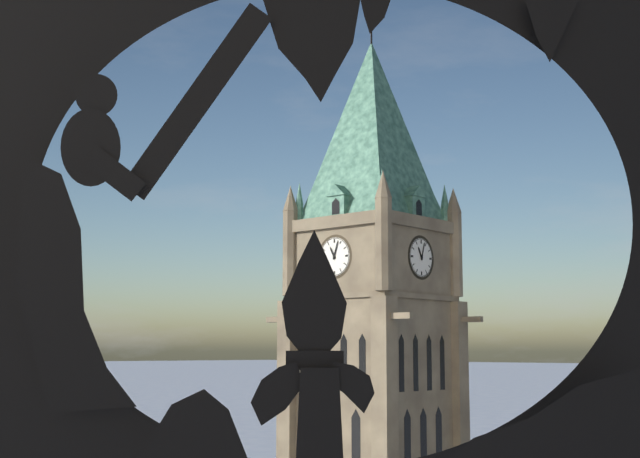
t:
11,03
